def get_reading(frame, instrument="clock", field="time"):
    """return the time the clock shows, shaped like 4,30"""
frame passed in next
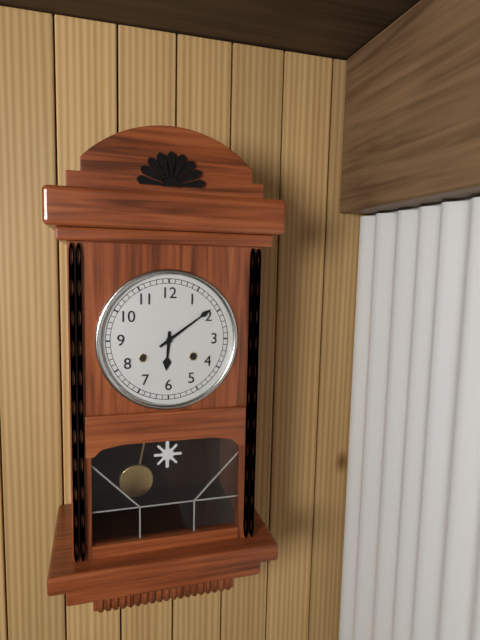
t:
6,09
